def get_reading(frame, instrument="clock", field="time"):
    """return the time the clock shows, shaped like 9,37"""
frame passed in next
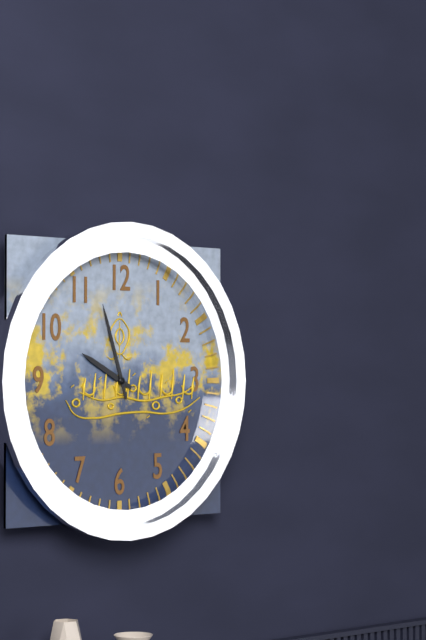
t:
9,57
